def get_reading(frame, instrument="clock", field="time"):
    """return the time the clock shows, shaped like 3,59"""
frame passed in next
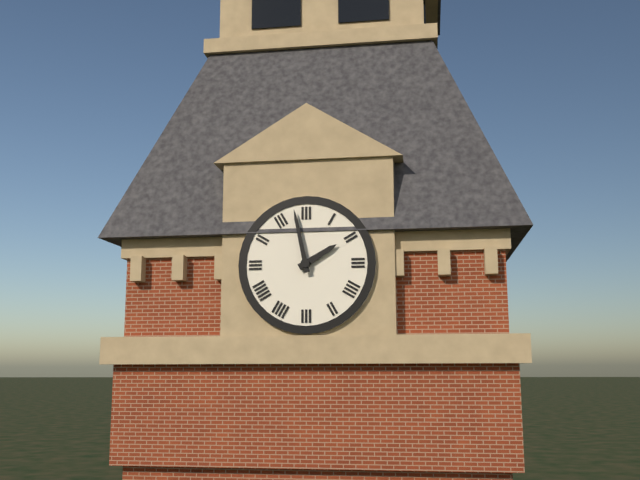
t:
1,58
